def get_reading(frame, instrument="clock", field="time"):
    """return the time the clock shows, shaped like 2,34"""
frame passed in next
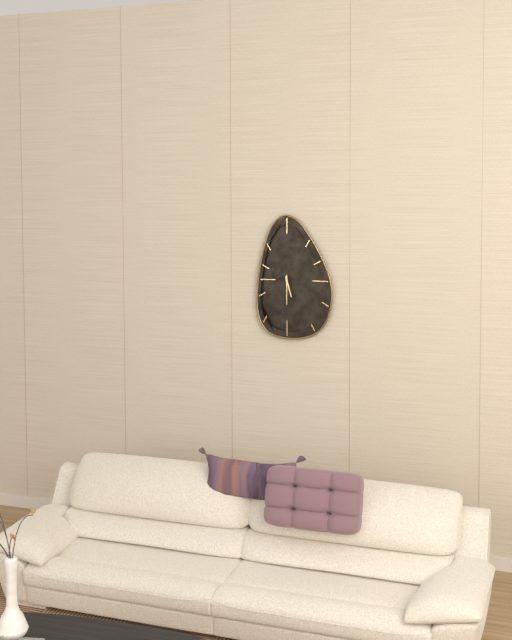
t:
5,30
